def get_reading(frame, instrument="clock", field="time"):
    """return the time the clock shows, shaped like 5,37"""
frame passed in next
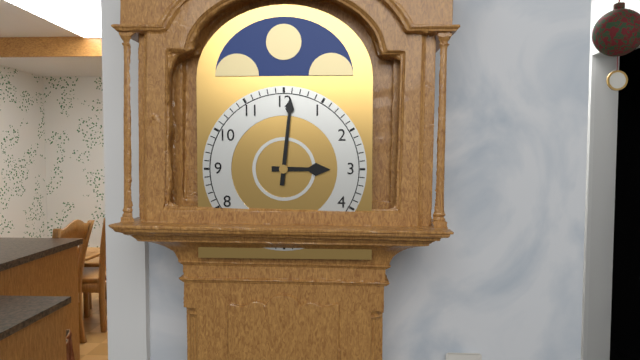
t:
3,01
